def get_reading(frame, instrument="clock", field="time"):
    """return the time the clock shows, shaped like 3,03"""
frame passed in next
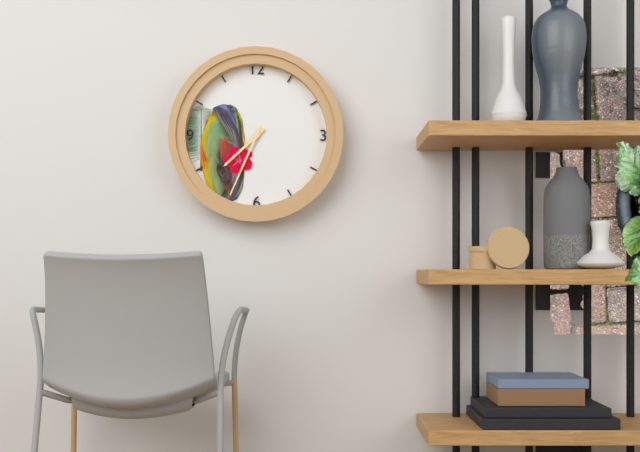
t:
7,34
